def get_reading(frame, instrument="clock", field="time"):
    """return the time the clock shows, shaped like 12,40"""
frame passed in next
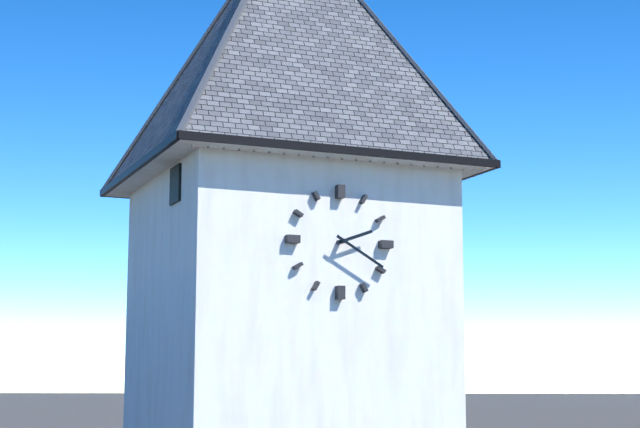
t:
2,20
